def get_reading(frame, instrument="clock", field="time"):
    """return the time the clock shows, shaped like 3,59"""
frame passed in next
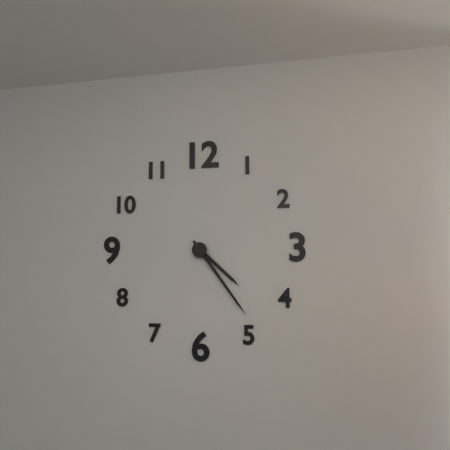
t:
4,24
